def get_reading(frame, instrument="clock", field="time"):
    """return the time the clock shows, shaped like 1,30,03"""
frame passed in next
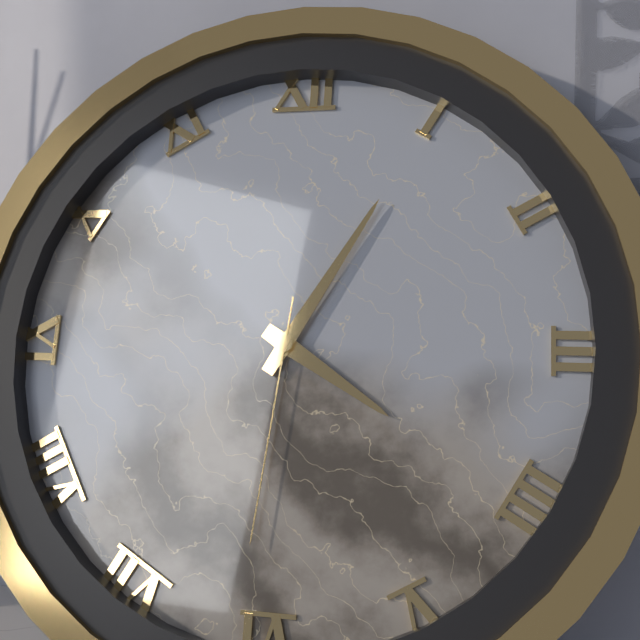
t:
4,05,31
